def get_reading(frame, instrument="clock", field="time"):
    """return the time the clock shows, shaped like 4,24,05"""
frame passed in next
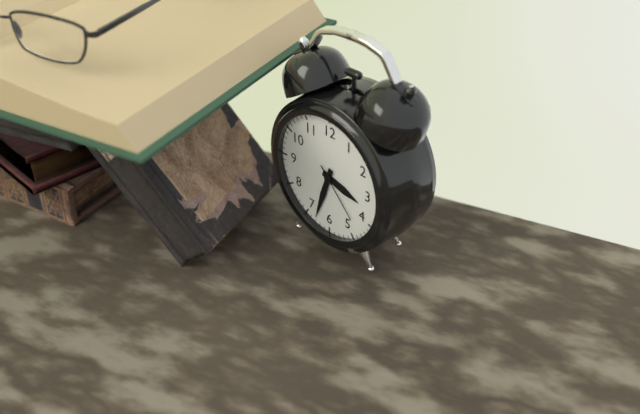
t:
3,33,23
